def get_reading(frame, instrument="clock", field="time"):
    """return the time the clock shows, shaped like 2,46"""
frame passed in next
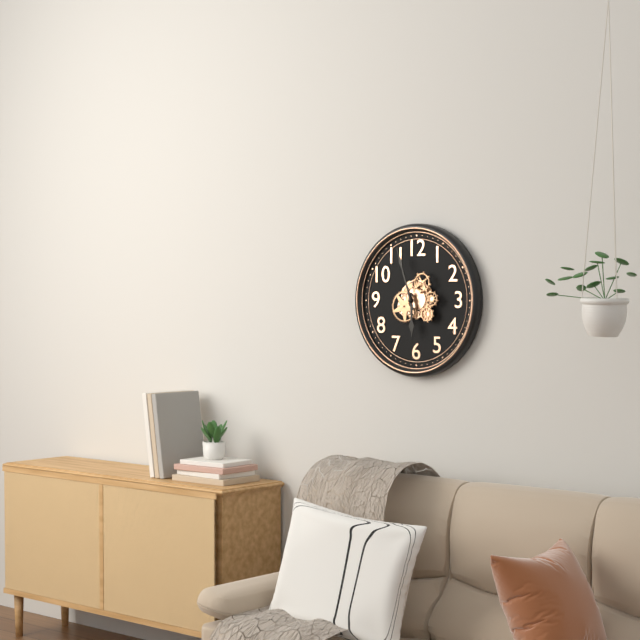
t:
5,57
